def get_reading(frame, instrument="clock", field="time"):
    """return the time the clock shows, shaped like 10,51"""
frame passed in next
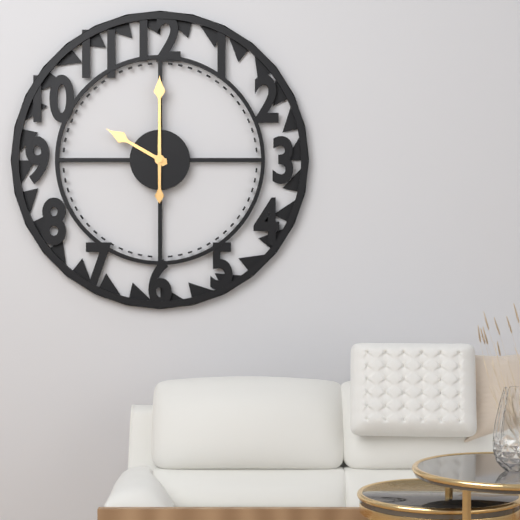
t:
10,00
